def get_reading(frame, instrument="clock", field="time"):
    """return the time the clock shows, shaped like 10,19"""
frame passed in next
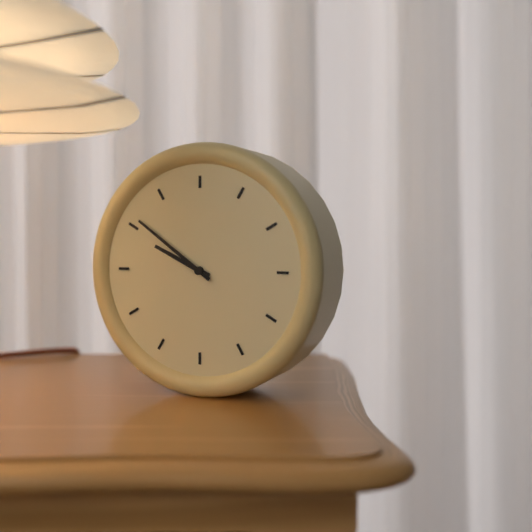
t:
9,51
